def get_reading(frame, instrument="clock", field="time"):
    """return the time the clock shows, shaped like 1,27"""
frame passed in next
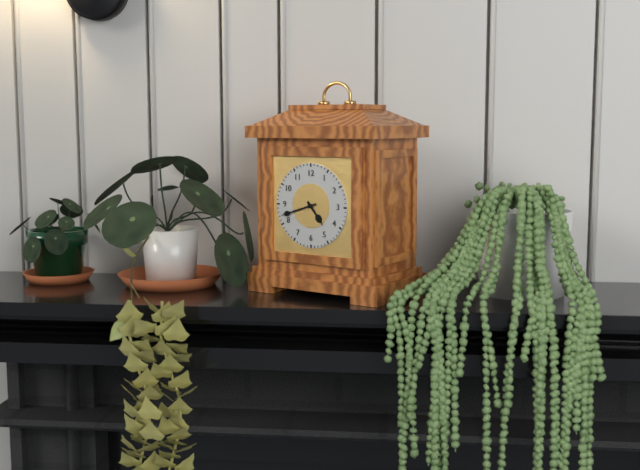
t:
4,42
